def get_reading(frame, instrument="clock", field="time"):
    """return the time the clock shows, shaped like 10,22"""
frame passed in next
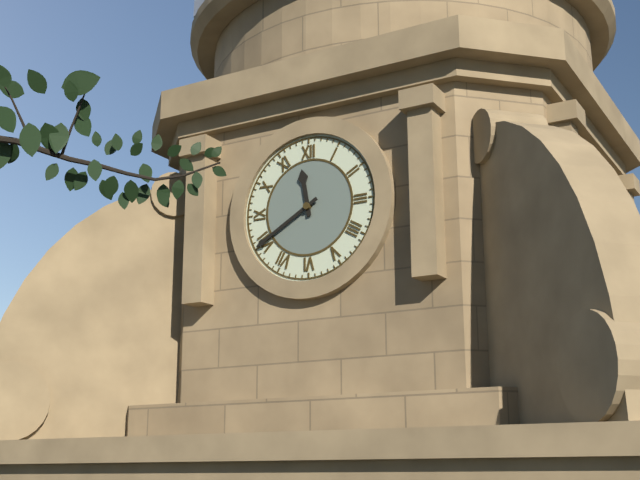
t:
11,40
